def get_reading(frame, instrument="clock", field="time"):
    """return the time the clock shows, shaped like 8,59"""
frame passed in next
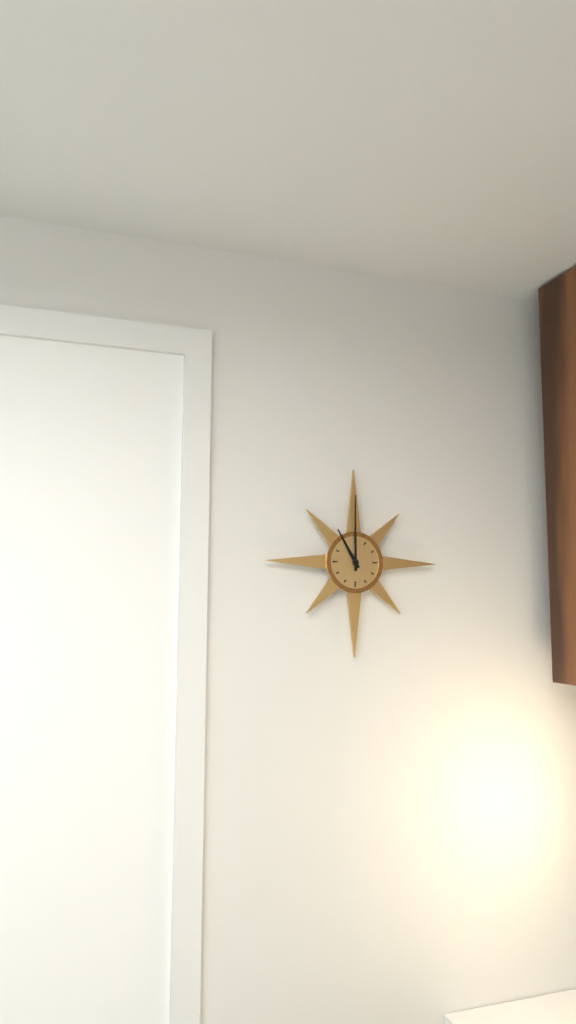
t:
11,00
